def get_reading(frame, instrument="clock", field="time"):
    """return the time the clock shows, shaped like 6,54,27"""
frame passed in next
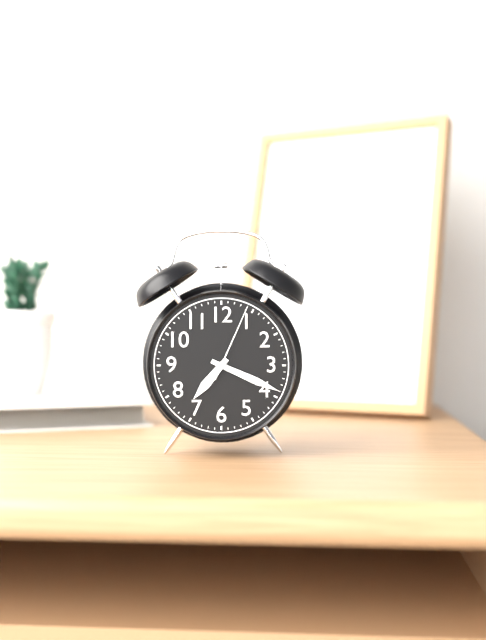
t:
7,19,04
